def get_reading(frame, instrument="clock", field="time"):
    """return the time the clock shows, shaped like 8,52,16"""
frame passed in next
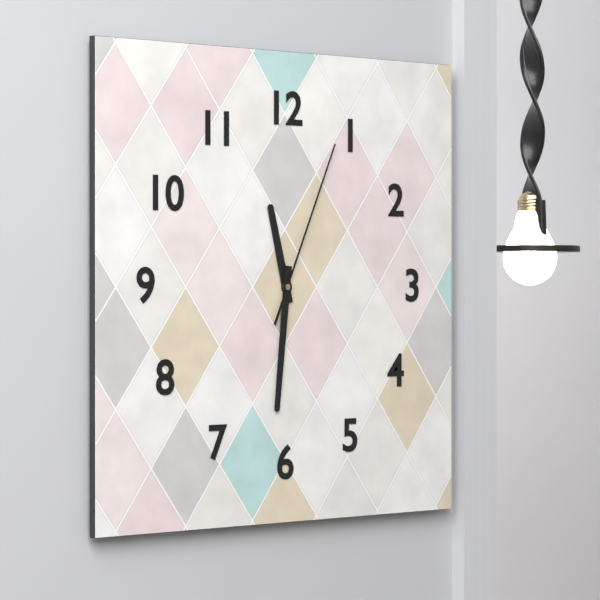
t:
11,31,04
